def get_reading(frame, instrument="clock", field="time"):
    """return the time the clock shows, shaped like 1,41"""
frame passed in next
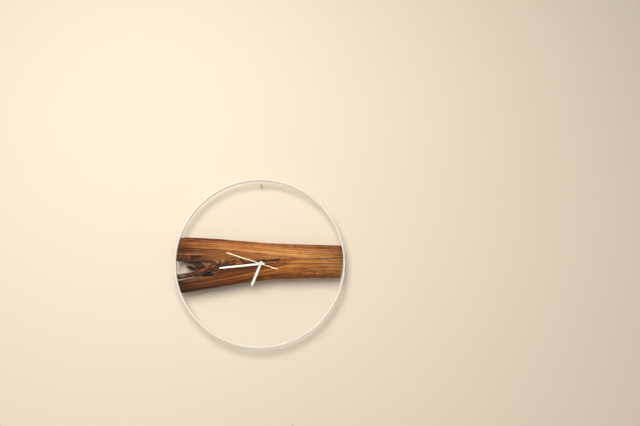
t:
6,44
